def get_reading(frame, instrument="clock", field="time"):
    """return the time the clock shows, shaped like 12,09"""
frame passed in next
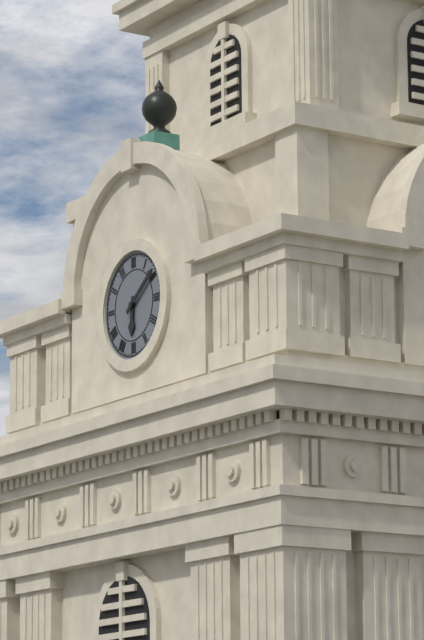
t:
6,09
